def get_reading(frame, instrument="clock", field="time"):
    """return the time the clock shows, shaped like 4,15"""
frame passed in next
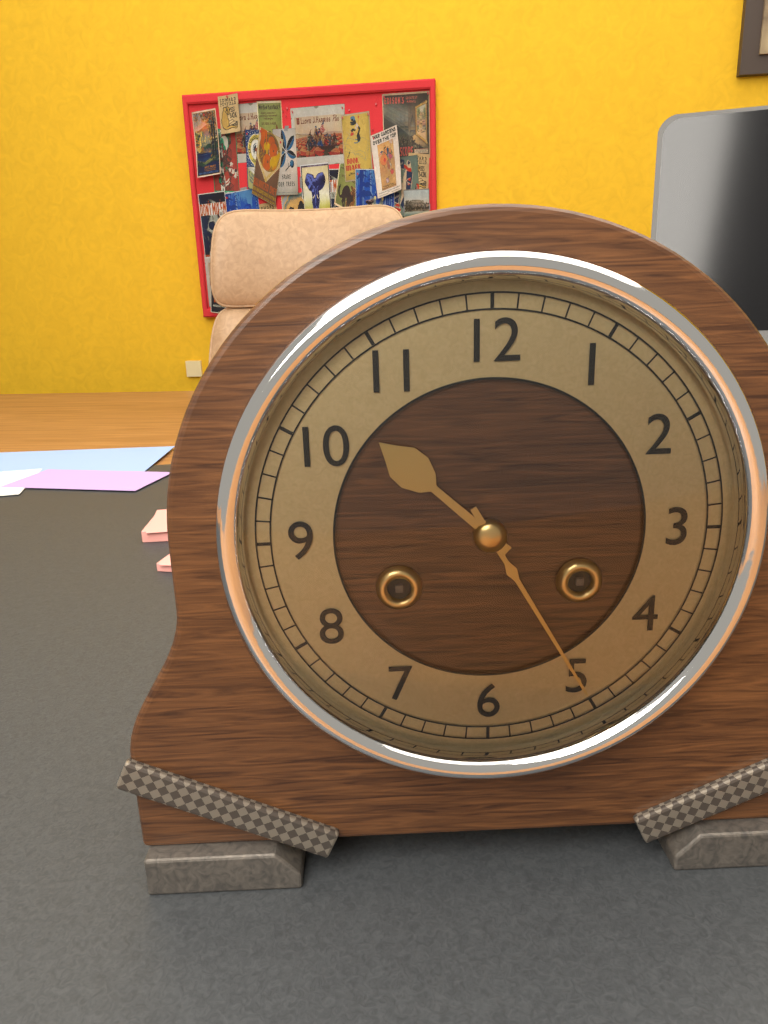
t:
10,25
